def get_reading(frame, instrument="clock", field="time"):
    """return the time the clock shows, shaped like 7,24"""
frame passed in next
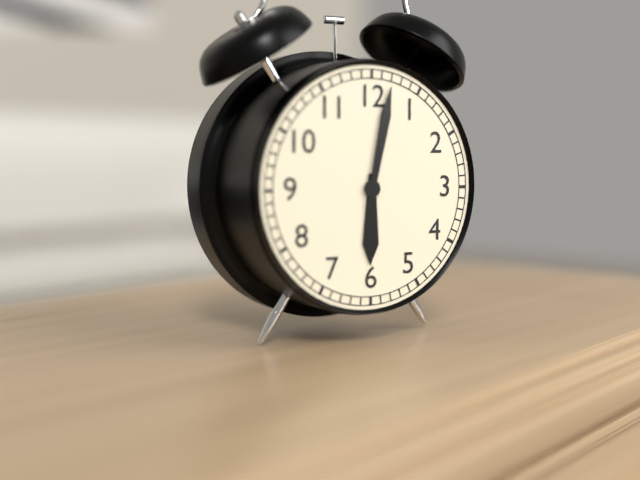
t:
6,02
